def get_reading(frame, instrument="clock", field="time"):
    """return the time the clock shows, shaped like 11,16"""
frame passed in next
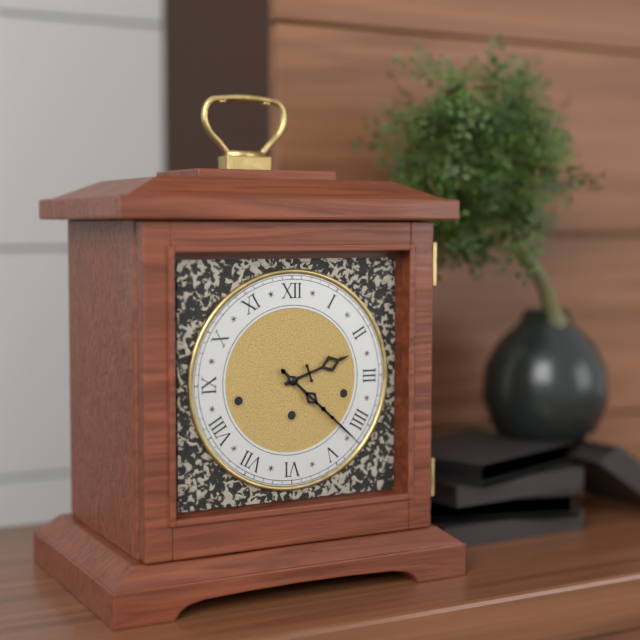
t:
2,22
